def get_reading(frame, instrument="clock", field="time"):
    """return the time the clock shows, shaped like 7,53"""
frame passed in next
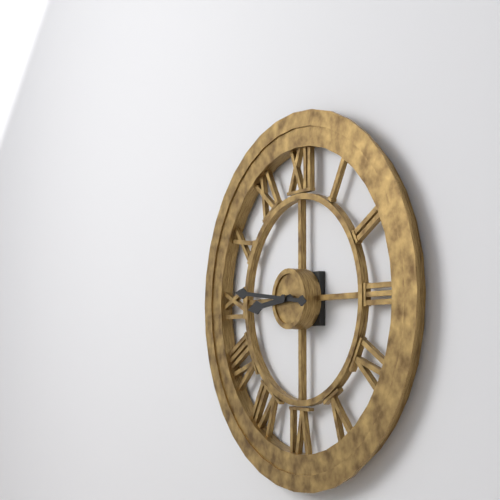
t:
8,46
